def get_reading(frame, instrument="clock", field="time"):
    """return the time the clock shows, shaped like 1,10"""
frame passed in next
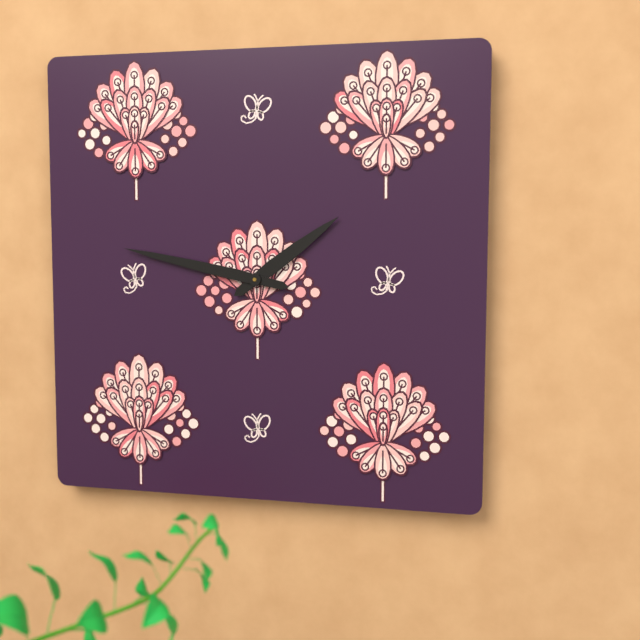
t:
1,47
